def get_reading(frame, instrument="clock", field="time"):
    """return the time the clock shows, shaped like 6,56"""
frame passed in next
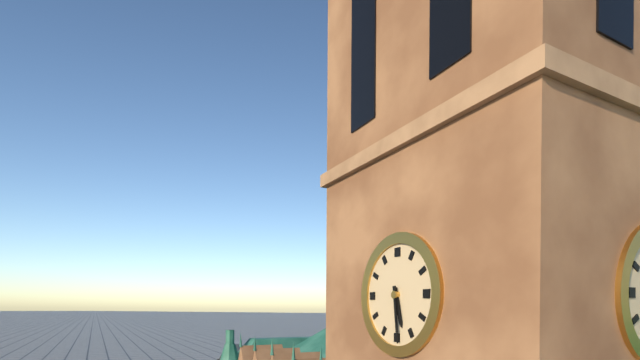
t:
5,29
